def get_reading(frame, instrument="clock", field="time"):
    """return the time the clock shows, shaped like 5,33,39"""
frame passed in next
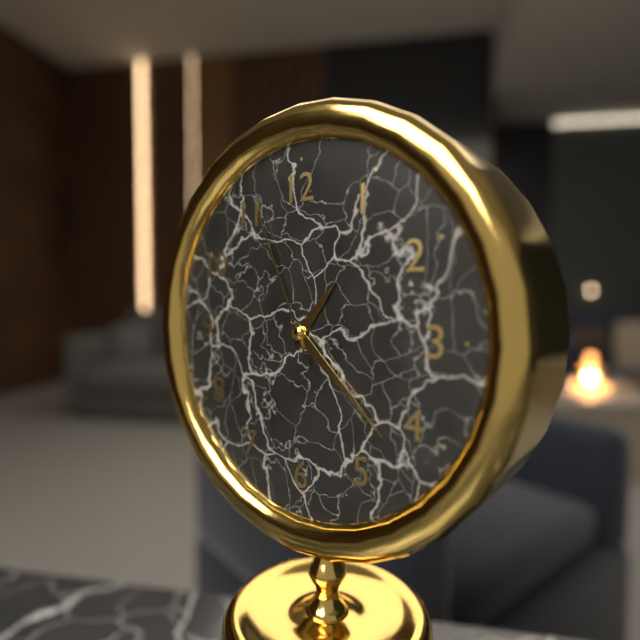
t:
1,22,56
